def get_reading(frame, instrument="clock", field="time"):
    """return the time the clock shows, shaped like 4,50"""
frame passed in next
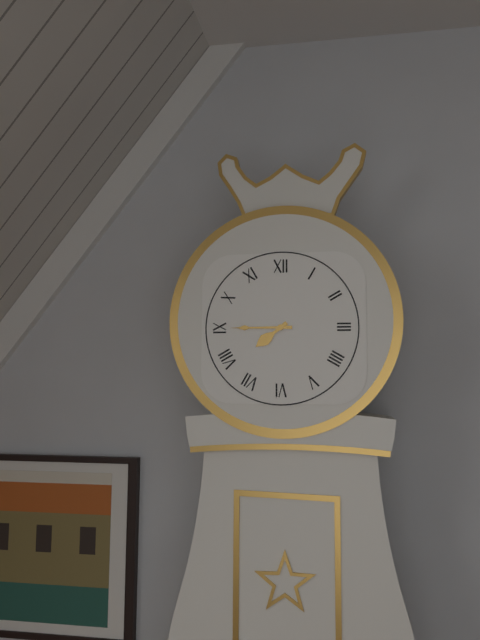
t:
7,45
